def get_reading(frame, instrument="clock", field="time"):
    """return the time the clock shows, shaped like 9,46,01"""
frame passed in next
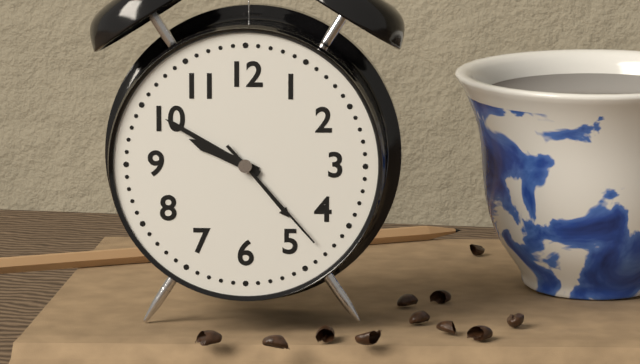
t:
9,50,23
